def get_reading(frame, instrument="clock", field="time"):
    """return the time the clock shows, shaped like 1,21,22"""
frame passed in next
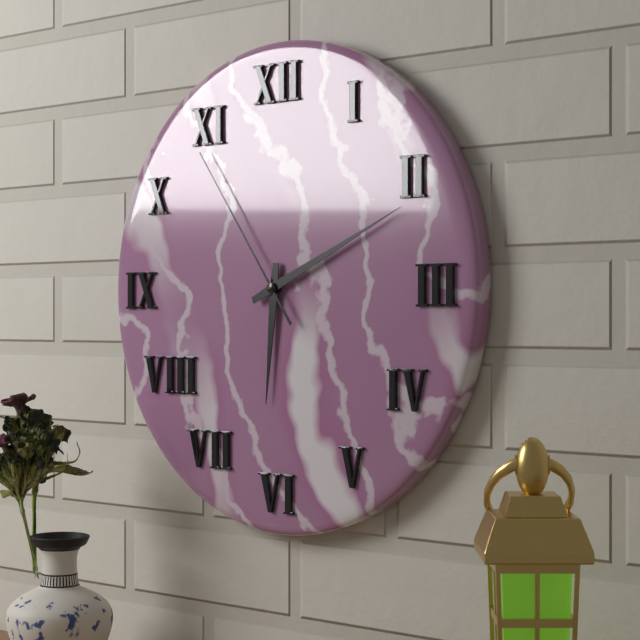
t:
6,11,54
